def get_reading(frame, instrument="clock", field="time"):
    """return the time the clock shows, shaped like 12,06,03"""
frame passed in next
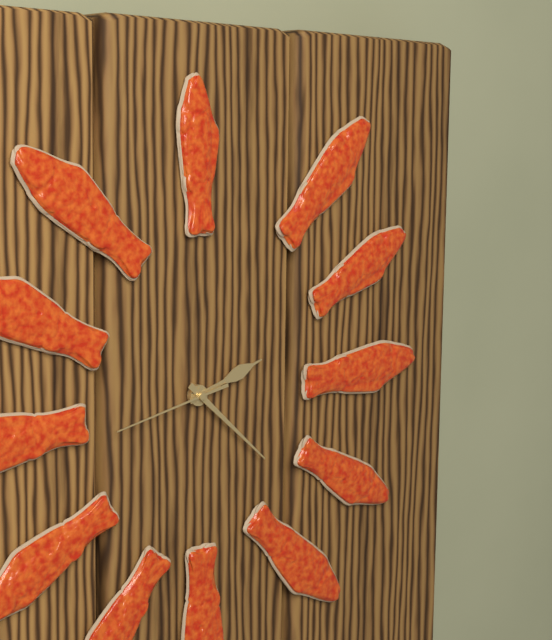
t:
2,22,43
